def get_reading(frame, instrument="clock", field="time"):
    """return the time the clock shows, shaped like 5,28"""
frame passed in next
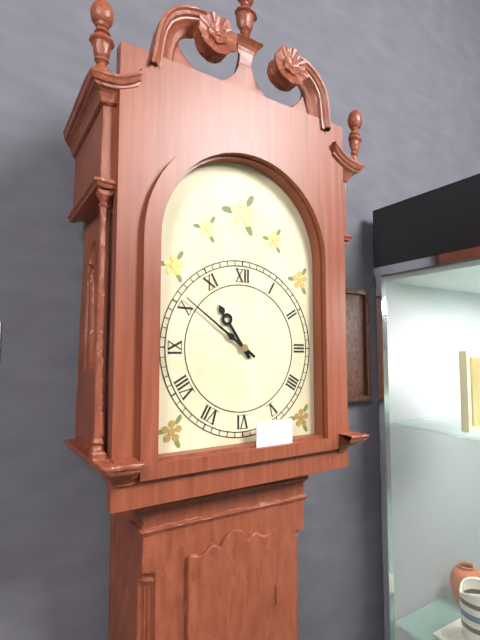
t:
10,51
